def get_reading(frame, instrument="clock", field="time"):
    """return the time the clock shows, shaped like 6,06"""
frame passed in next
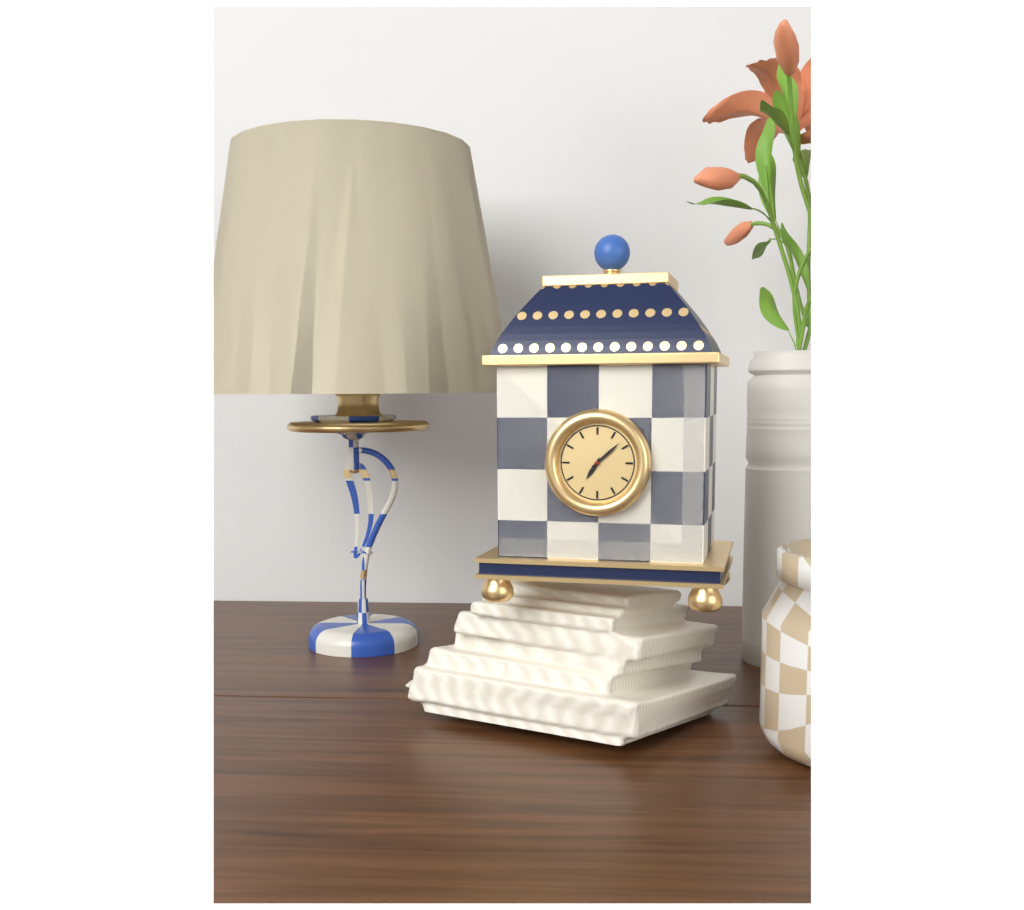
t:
7,08
